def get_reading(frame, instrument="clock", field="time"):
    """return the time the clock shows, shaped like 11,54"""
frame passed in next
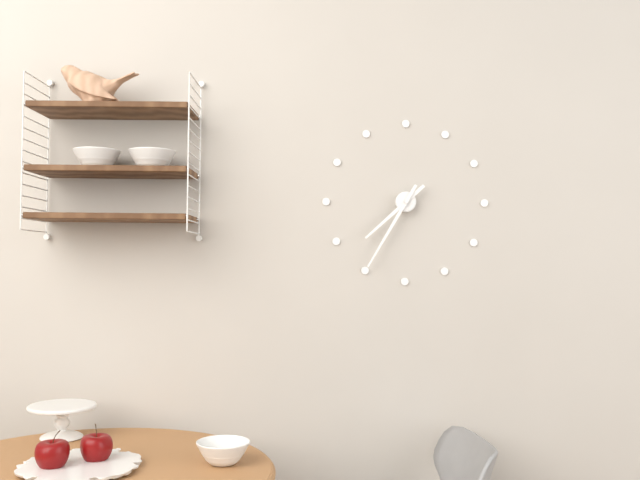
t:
7,35
